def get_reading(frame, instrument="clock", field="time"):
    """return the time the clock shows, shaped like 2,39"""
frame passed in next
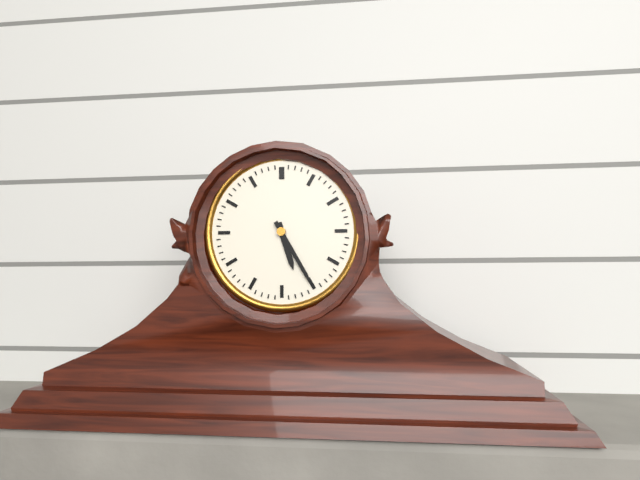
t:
5,25
